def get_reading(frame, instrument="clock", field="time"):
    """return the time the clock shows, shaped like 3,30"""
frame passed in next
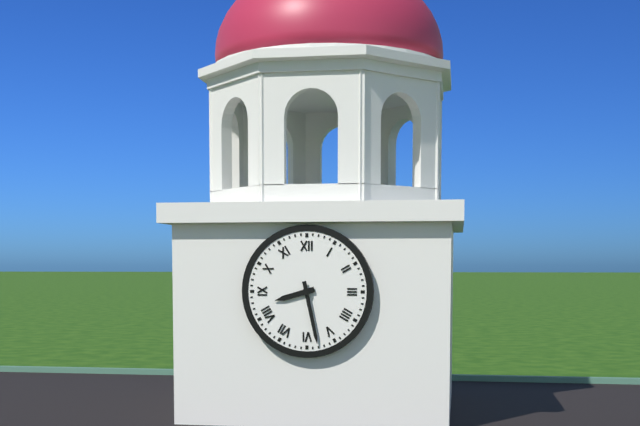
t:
8,28
